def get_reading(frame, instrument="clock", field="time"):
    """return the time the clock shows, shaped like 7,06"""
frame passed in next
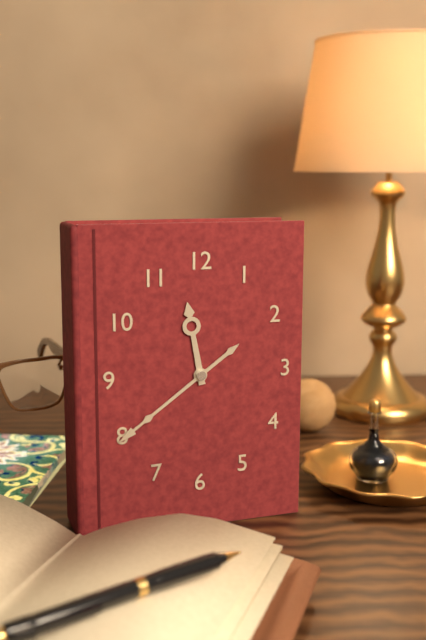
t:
11,39
